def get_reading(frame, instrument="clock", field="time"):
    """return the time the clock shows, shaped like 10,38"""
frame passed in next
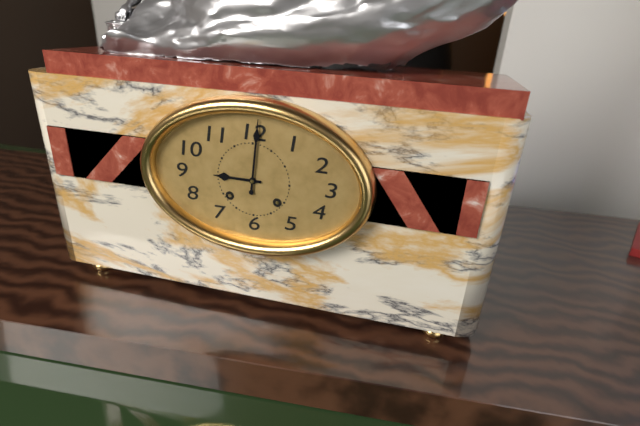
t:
9,01
